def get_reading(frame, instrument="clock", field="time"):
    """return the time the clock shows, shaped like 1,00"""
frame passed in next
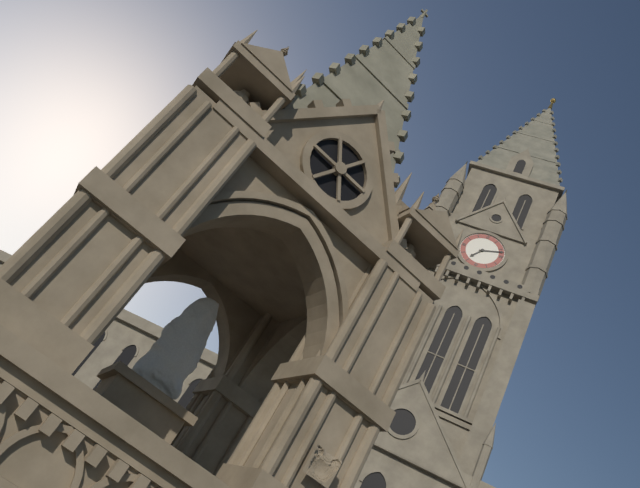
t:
7,12
